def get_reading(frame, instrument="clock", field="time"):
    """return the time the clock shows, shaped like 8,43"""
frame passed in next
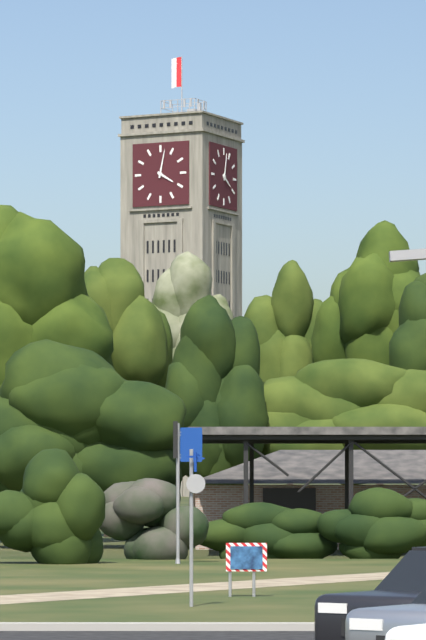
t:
4,02
